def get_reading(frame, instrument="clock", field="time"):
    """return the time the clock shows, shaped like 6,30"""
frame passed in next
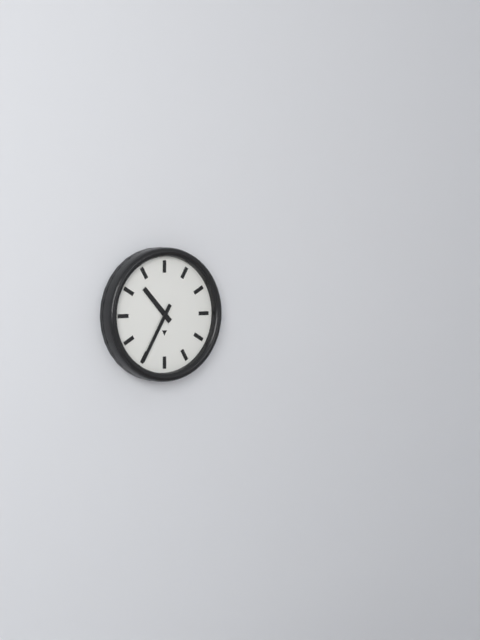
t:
10,35
